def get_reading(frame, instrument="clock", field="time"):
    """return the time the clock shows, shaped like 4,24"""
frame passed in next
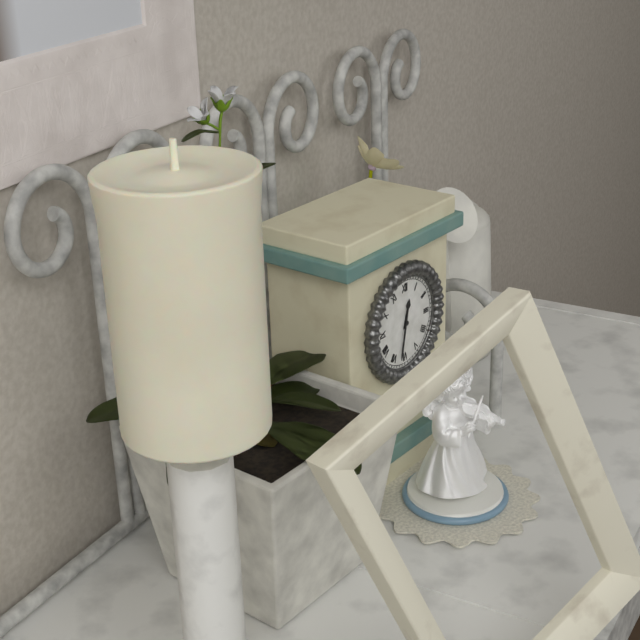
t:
12,32
